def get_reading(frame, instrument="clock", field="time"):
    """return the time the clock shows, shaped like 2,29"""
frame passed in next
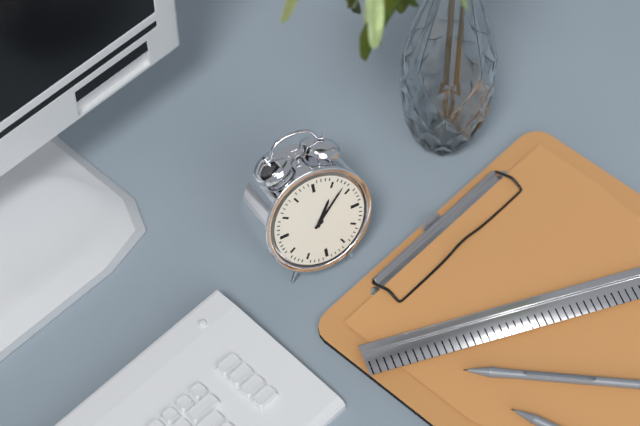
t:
1,08
